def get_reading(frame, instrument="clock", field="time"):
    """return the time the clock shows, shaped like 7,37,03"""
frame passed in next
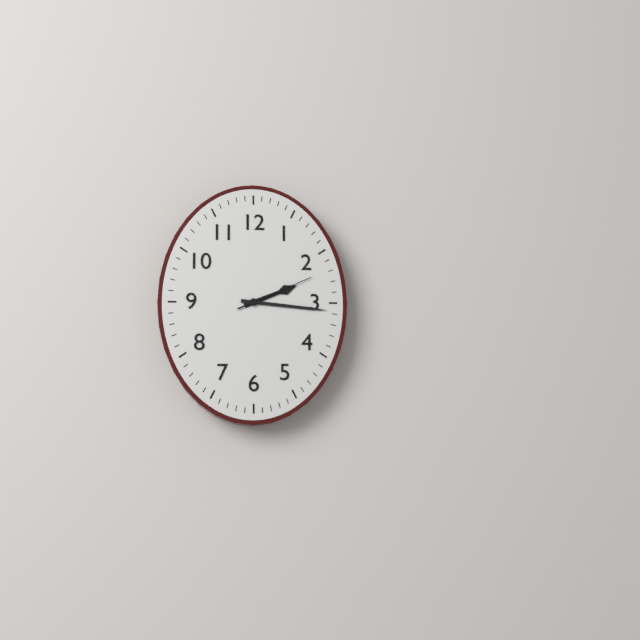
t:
2,16,11
